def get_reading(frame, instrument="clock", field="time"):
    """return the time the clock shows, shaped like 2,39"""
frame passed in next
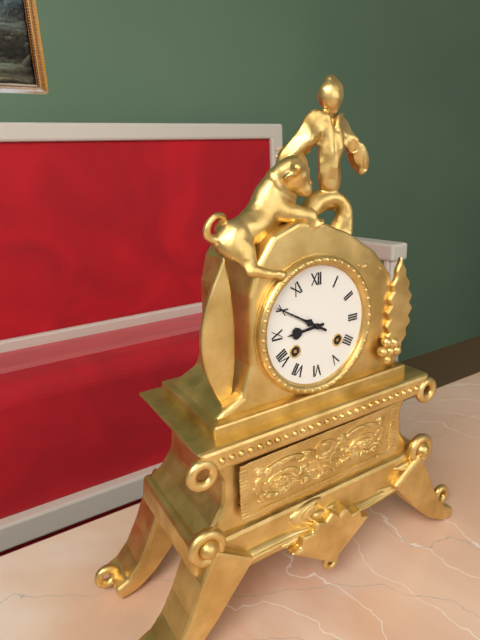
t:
8,50
